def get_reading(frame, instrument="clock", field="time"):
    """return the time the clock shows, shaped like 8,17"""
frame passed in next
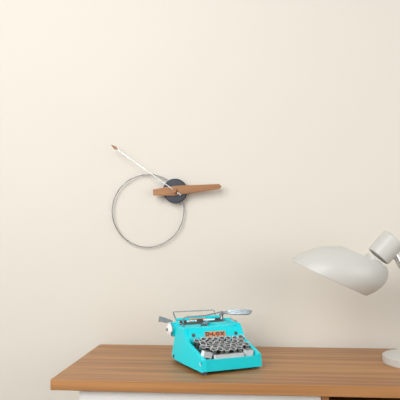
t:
2,51
